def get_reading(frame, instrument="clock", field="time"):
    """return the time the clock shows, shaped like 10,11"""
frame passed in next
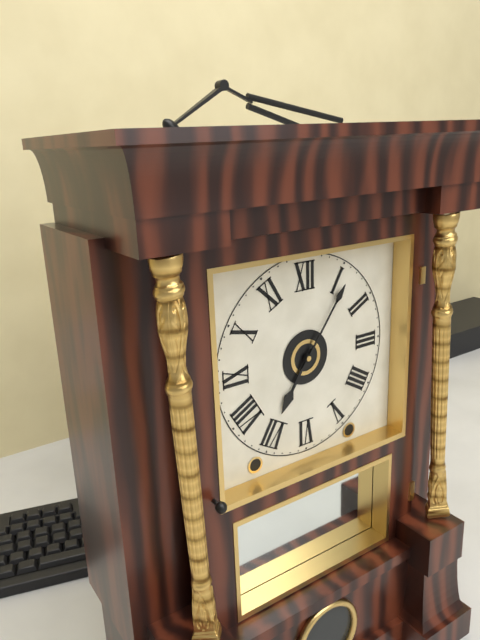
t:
7,06
